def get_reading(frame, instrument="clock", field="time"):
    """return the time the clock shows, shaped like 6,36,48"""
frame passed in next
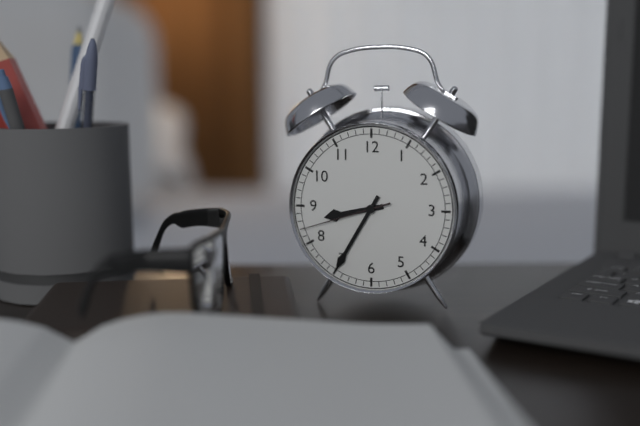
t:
8,35,42
